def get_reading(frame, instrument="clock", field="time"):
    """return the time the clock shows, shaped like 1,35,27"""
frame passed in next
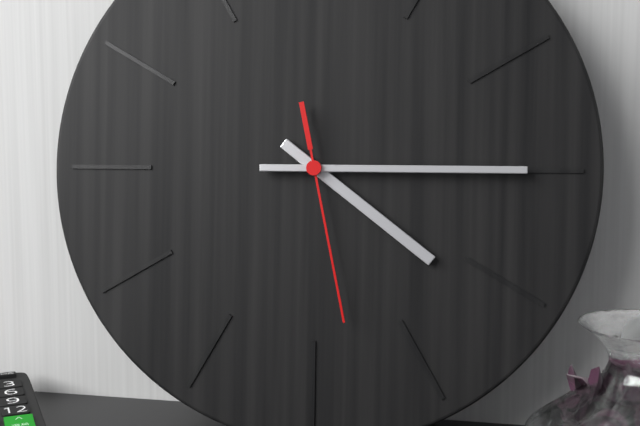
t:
4,15,28
